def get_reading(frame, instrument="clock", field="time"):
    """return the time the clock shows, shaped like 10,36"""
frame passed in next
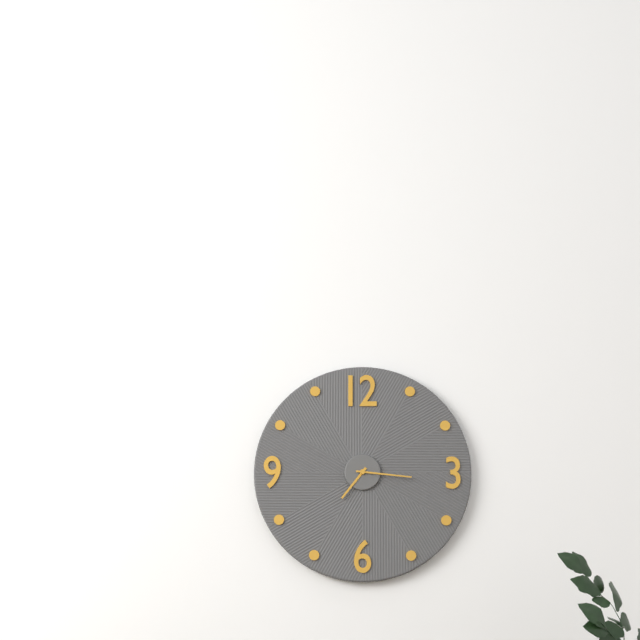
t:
7,16
